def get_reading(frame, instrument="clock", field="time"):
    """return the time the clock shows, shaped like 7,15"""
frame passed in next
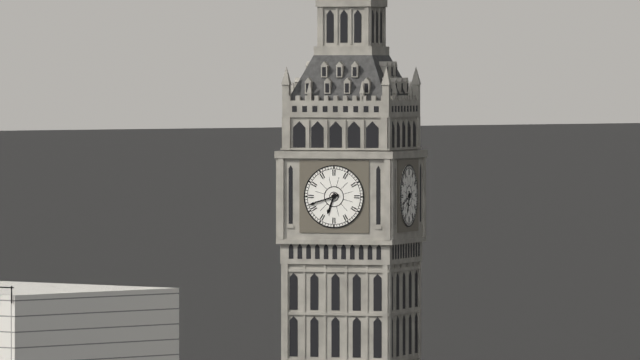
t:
6,42
